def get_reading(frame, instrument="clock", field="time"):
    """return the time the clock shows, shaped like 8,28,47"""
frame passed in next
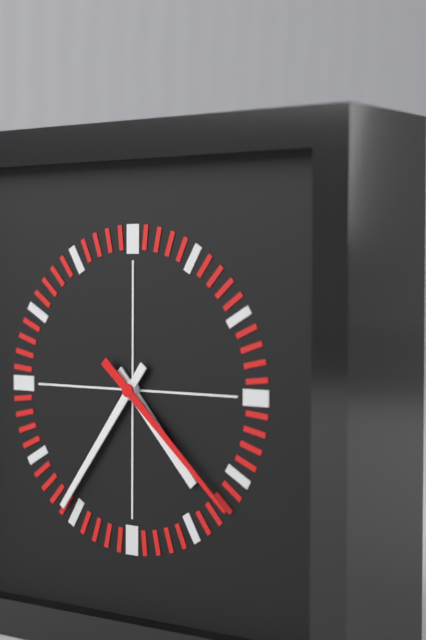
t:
4,36,22
